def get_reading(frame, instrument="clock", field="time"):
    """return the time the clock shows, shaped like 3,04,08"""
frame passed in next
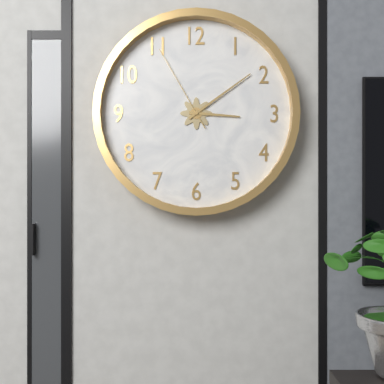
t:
3,09,55
